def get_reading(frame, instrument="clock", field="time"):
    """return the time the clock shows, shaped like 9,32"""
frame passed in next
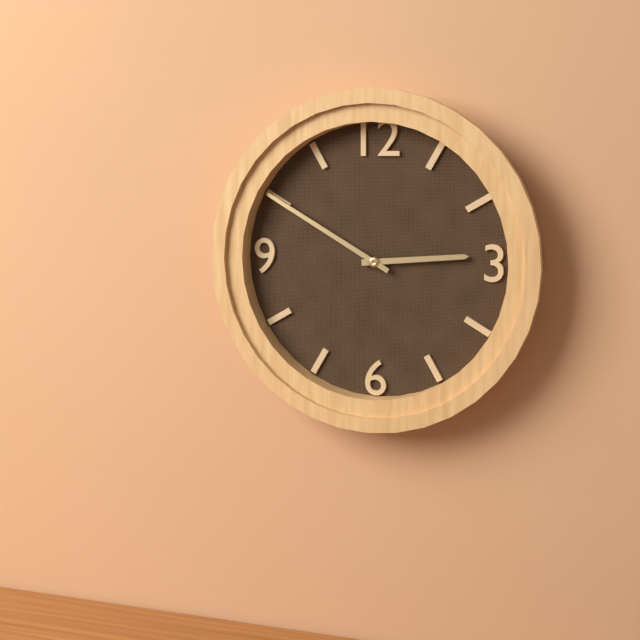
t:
2,50
